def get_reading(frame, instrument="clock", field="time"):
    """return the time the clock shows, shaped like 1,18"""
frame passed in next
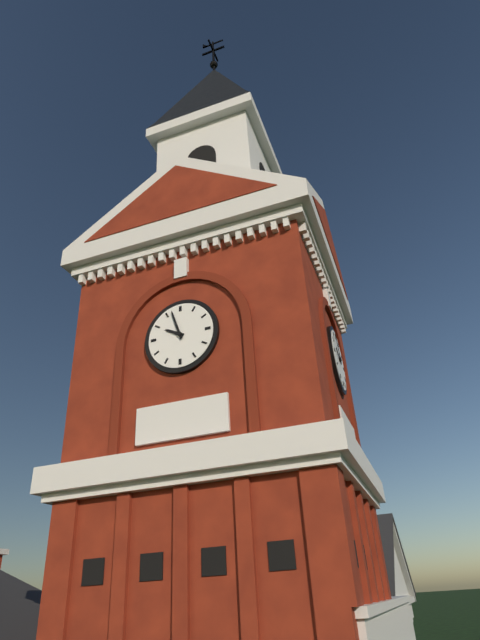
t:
9,57
